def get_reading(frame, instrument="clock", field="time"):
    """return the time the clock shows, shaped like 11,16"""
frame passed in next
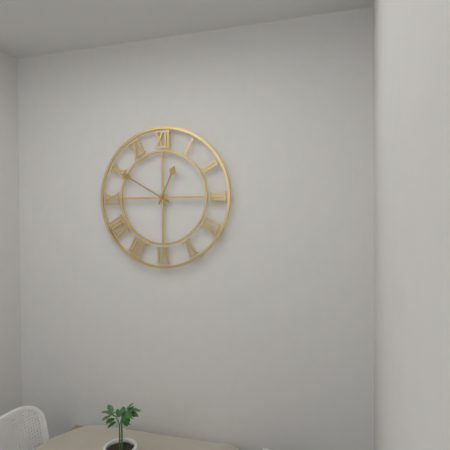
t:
12,50
